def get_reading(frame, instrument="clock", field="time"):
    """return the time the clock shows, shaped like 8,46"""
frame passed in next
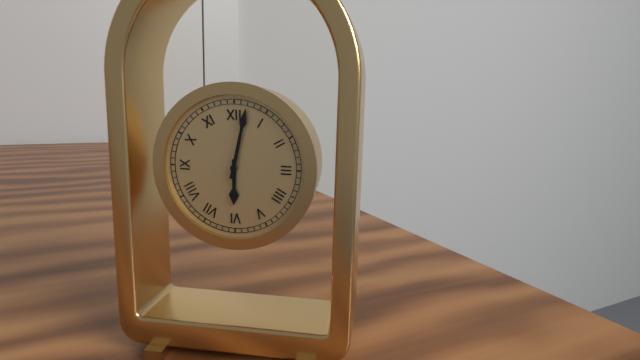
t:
6,02
